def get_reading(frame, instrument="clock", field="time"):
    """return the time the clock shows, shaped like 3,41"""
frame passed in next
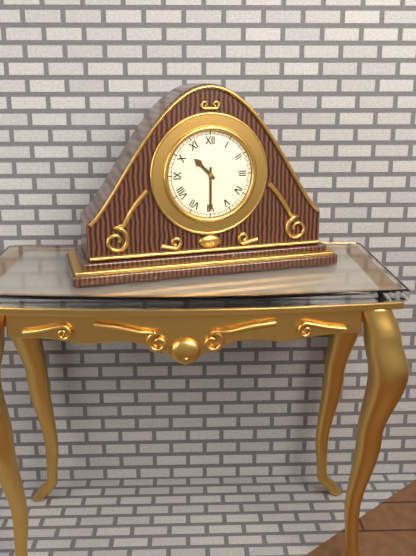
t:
10,30
